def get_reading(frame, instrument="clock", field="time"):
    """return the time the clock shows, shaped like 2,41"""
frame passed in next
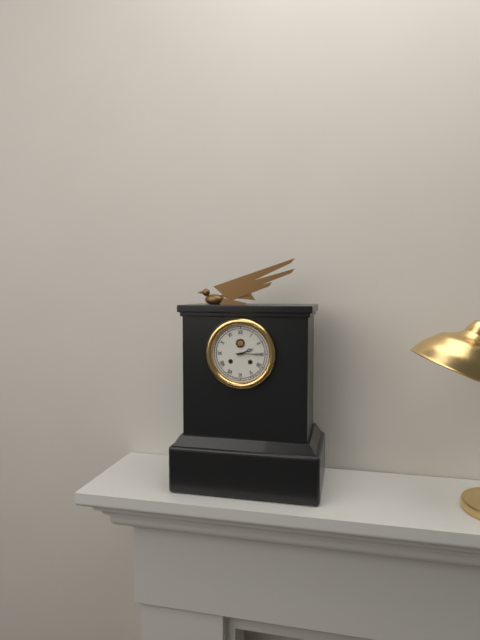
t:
2,15
